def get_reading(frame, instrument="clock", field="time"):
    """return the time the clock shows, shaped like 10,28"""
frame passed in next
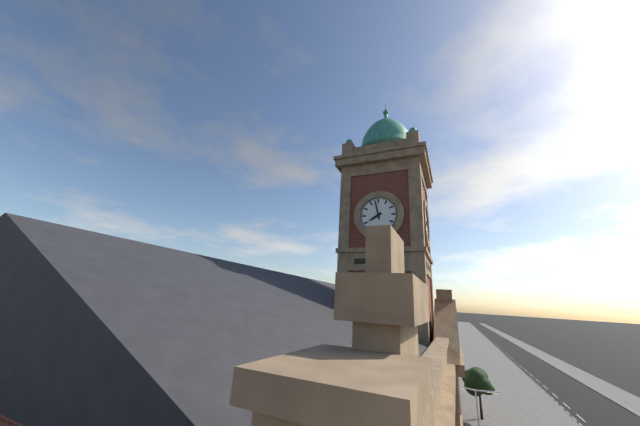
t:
7,58
